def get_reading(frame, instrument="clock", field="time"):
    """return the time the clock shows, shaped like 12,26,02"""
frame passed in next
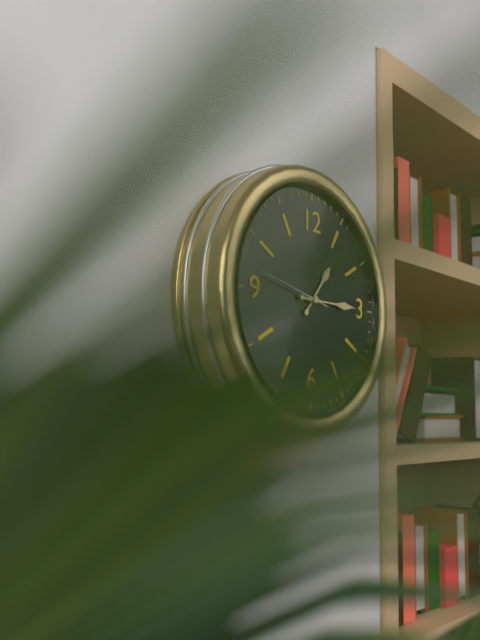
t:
1,15,47
